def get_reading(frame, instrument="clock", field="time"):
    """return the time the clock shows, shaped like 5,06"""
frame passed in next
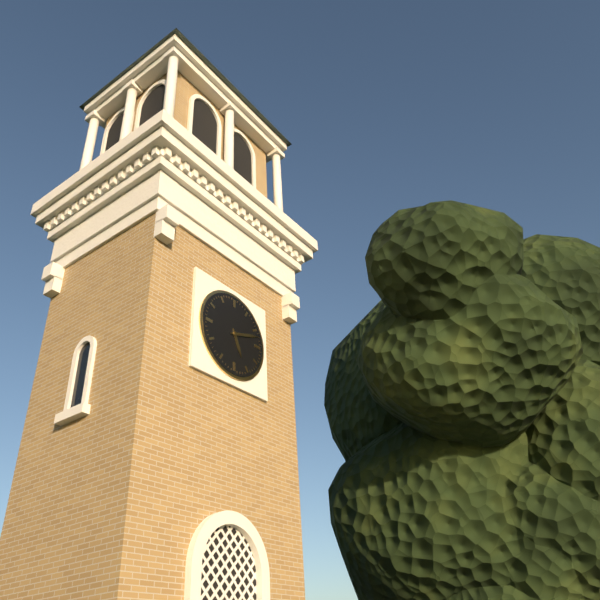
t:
5,12
